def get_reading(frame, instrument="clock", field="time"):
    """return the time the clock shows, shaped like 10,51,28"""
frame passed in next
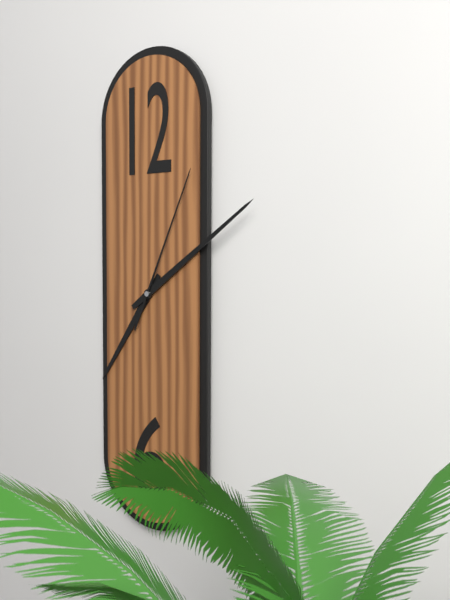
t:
7,09,04
